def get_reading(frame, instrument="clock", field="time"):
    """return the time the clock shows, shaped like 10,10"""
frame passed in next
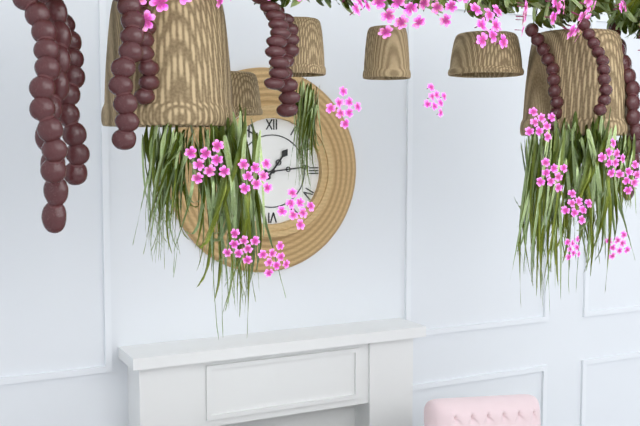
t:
1,14
